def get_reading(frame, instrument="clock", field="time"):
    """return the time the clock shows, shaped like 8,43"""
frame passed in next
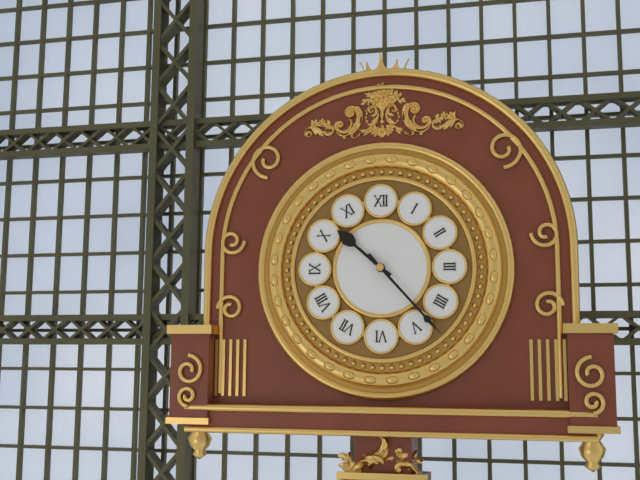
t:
10,23
